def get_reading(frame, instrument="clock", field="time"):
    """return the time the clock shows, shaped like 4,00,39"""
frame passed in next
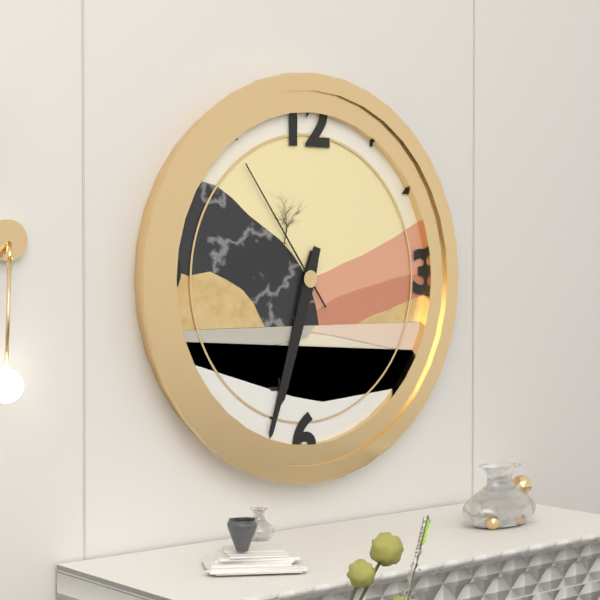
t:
6,33,54
